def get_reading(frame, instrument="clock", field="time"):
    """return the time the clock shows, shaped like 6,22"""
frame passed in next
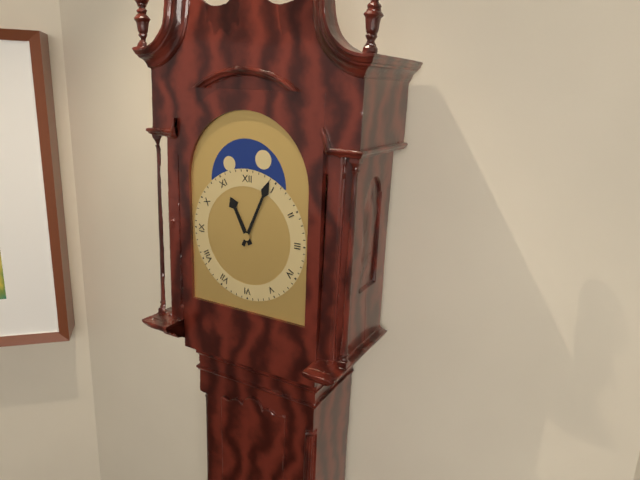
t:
11,04
